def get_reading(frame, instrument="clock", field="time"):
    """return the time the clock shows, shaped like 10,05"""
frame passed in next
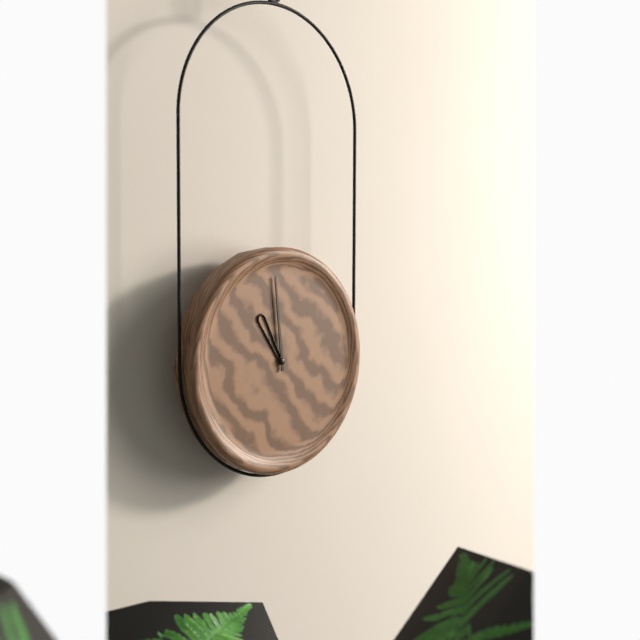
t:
10,59
